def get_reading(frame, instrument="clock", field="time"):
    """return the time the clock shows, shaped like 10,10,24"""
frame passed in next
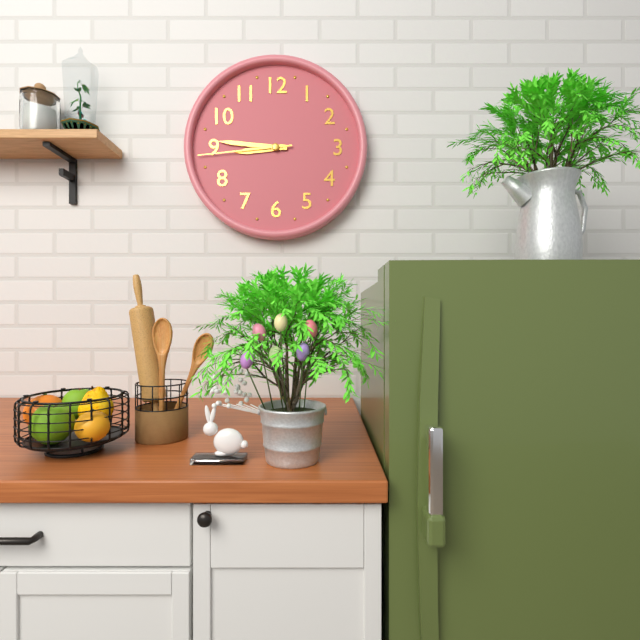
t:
8,46,44
